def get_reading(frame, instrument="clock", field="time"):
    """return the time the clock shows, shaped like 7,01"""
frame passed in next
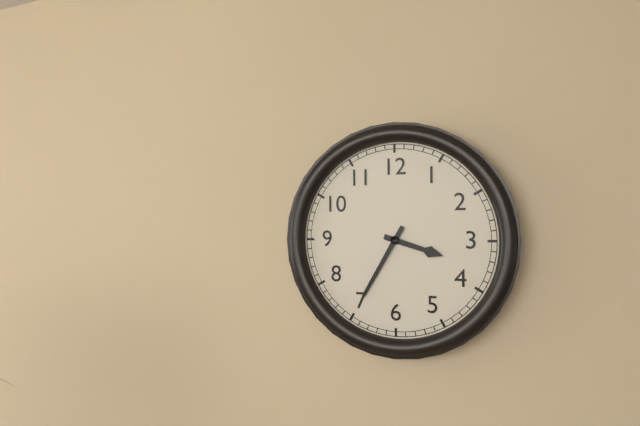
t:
3,35
